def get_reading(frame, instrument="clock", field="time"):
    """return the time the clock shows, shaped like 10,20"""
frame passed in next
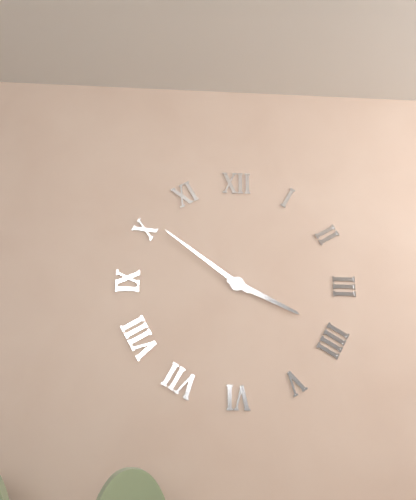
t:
3,51
